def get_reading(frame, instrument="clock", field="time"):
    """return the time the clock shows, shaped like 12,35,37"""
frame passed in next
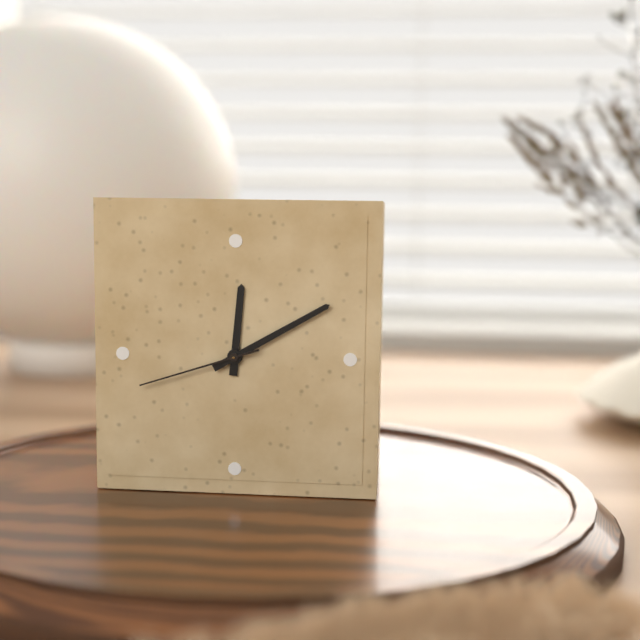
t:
12,10,42
